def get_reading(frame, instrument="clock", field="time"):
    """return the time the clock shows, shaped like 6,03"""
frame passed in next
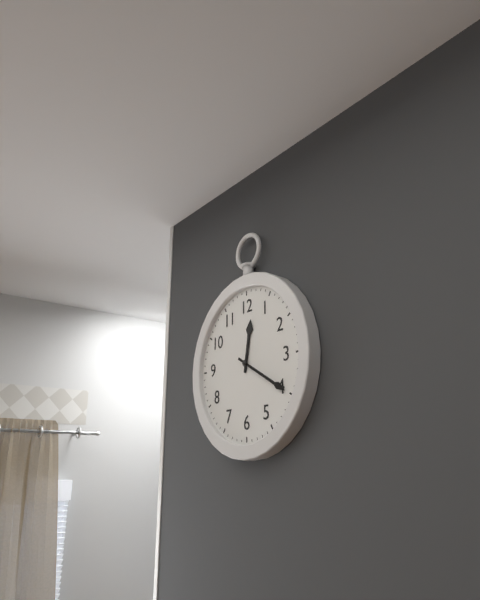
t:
12,20
